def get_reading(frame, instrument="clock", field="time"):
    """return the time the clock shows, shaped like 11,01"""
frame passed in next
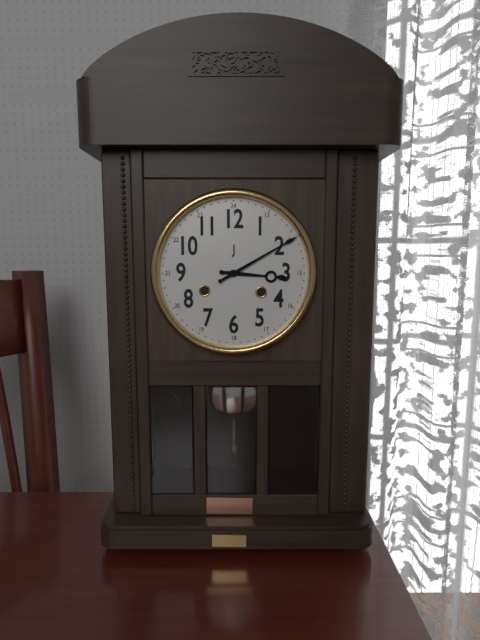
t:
3,10
